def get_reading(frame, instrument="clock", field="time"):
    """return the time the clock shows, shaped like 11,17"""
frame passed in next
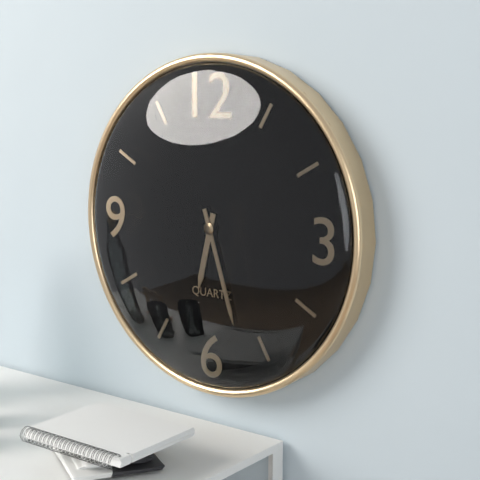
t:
6,27
